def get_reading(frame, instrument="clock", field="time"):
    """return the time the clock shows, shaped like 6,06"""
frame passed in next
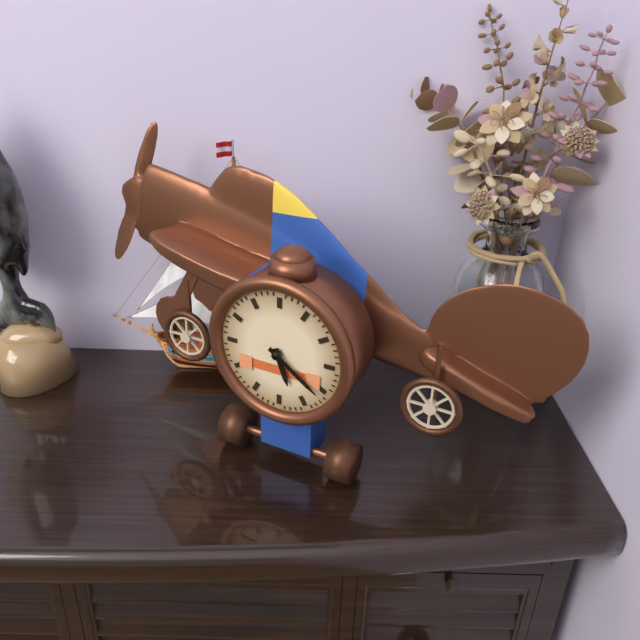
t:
5,21
